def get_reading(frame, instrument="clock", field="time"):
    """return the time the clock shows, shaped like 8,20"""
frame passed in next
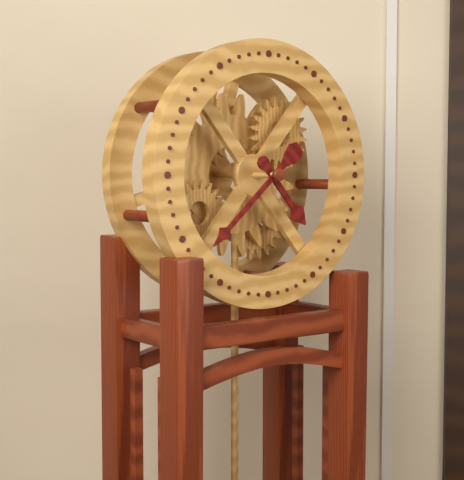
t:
4,38
